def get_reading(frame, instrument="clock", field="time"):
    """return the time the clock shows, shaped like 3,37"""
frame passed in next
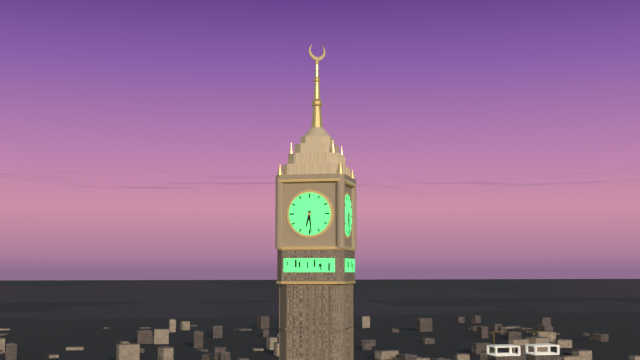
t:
6,29
